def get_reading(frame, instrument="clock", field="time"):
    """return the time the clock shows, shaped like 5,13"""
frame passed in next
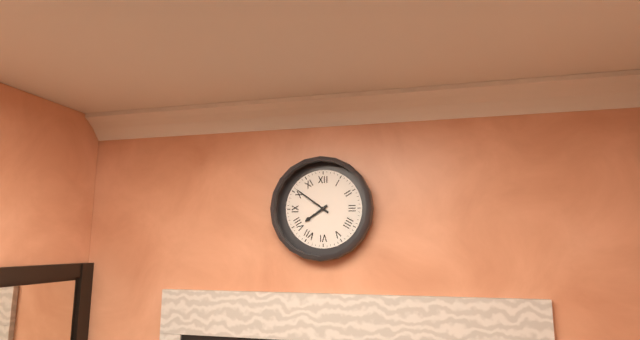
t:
7,51
